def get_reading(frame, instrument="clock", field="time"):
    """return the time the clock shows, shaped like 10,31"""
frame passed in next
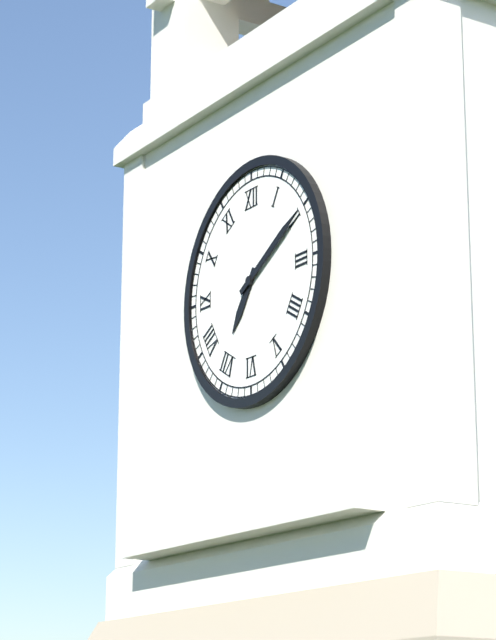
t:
7,10
